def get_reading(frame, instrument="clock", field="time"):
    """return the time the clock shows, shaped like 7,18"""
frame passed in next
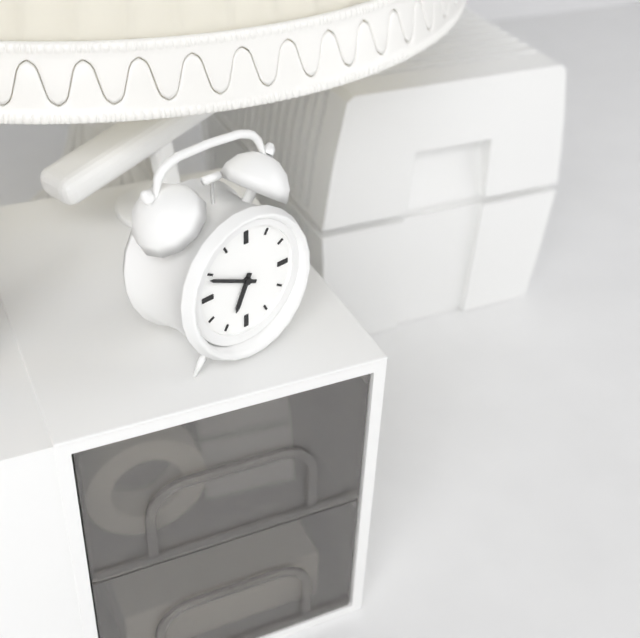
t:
6,49
